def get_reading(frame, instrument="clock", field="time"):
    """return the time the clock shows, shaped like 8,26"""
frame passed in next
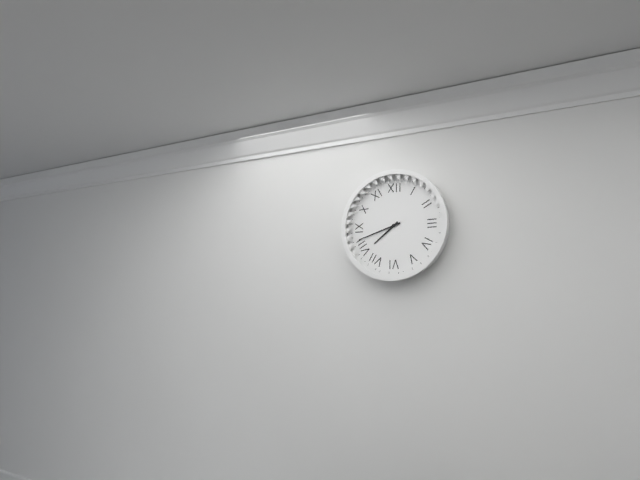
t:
7,42
